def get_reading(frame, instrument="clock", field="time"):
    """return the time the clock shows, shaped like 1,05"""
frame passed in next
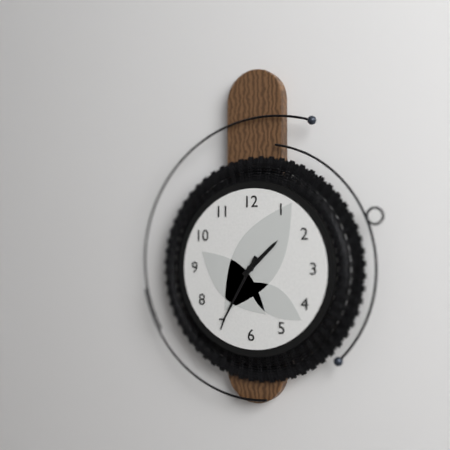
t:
1,35
